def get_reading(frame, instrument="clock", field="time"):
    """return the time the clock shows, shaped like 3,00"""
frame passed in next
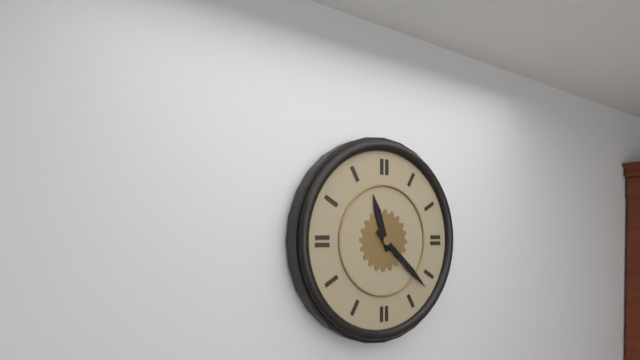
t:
11,22
